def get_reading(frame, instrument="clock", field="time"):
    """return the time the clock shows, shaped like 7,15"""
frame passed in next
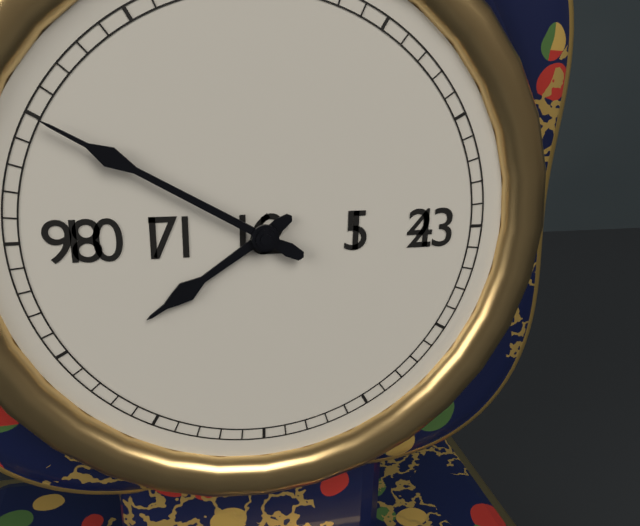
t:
7,50
